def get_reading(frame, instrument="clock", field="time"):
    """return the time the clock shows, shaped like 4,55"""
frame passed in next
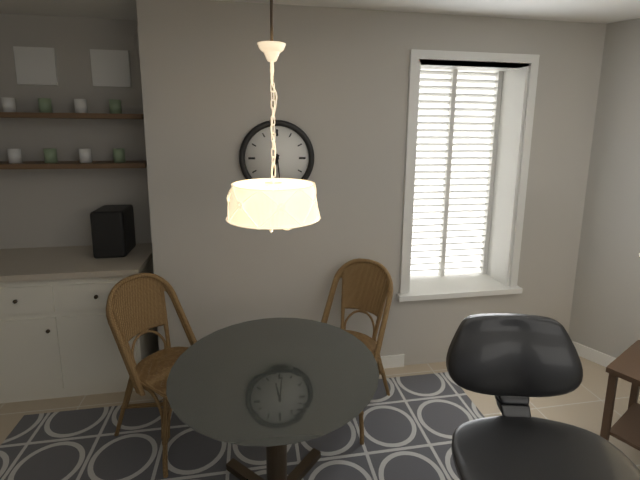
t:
6,29
